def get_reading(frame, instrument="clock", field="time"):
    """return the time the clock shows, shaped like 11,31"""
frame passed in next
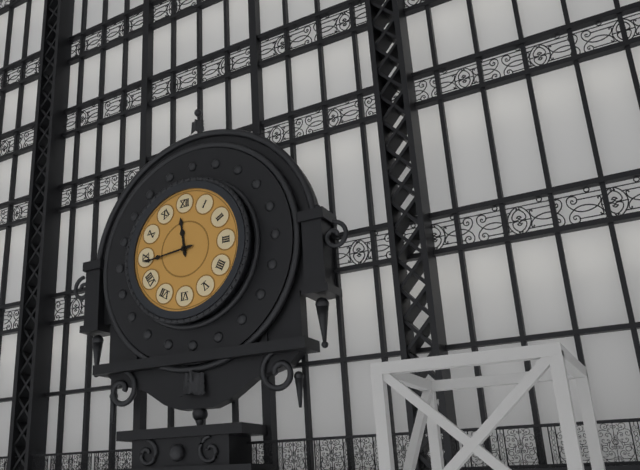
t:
11,44
